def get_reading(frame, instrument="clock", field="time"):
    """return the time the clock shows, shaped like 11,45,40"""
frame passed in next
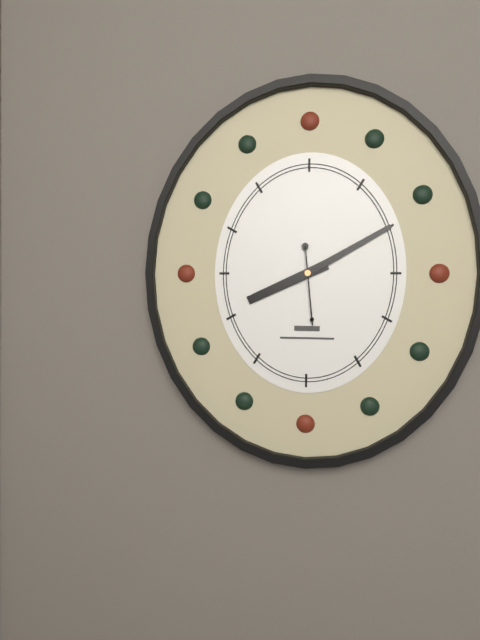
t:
8,10,29
